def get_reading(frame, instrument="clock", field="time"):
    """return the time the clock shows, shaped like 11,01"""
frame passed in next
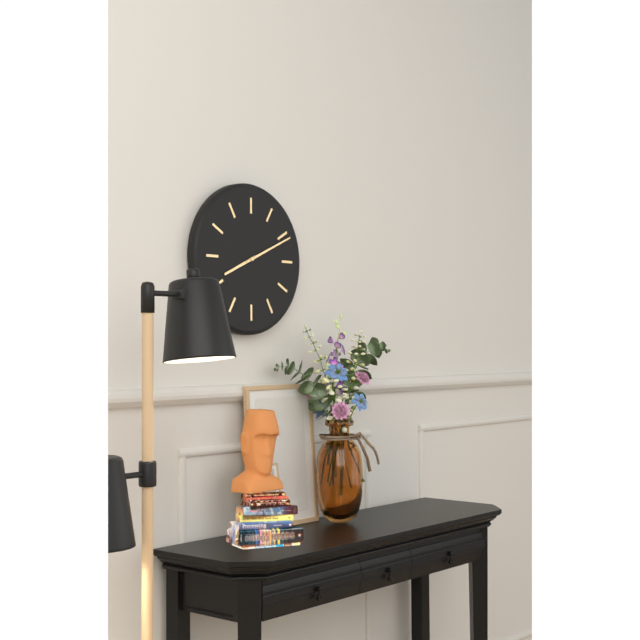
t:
8,11
